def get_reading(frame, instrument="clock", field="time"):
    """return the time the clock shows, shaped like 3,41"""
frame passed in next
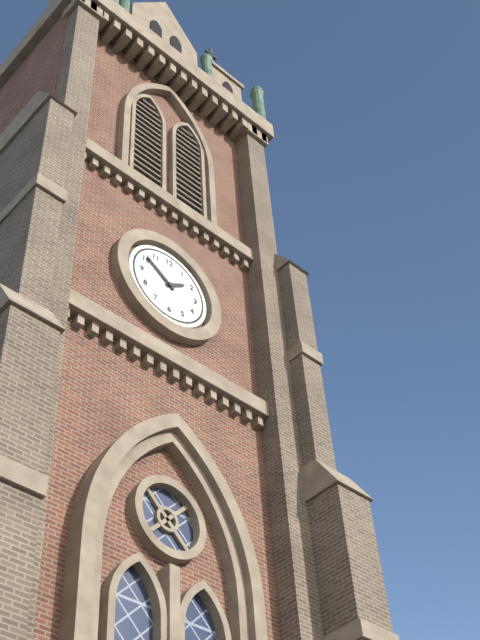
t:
1,51
